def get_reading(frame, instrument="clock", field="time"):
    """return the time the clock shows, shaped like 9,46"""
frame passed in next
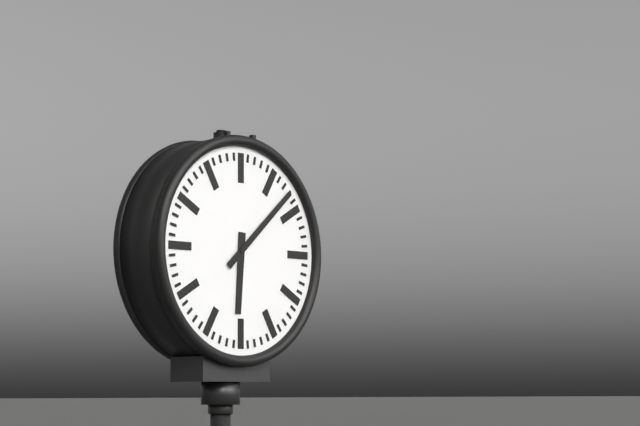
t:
6,08
